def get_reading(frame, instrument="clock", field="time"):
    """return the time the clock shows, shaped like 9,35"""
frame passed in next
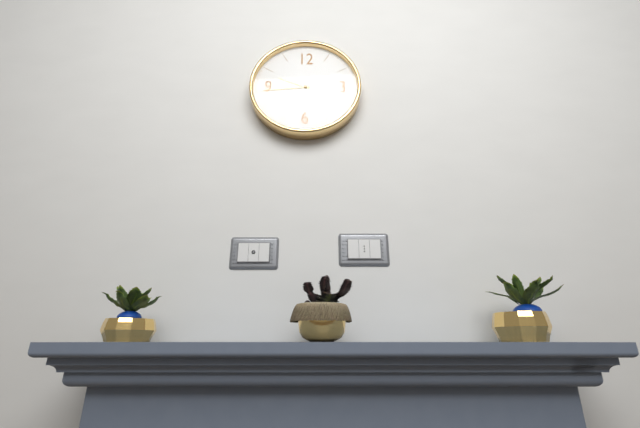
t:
9,44
